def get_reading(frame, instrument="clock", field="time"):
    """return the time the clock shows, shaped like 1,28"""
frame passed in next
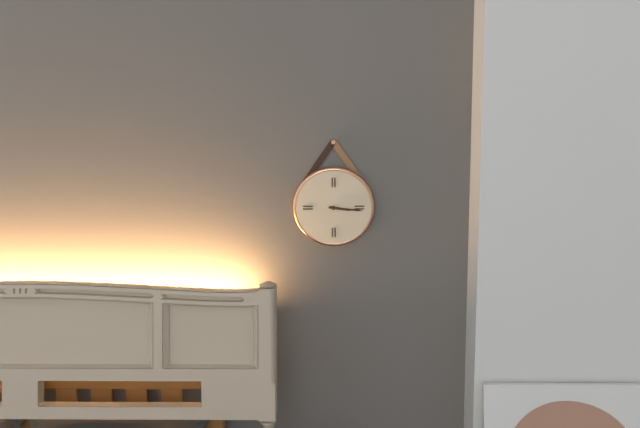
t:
3,16
